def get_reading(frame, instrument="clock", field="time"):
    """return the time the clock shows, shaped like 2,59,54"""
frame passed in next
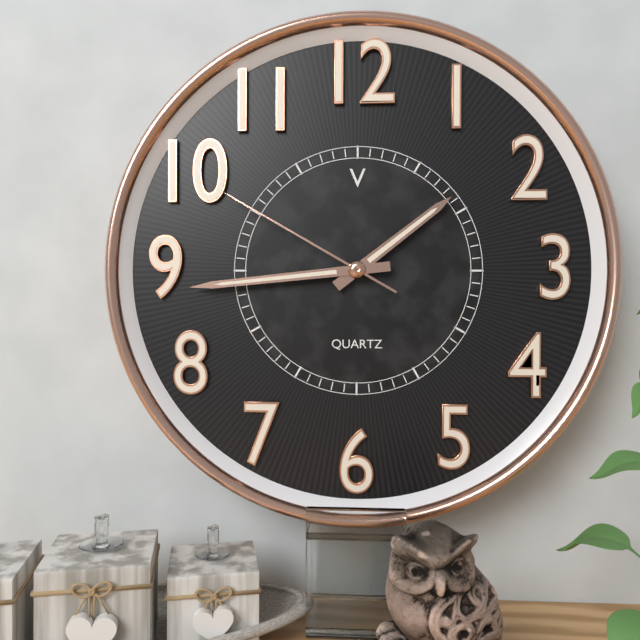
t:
1,44,50
